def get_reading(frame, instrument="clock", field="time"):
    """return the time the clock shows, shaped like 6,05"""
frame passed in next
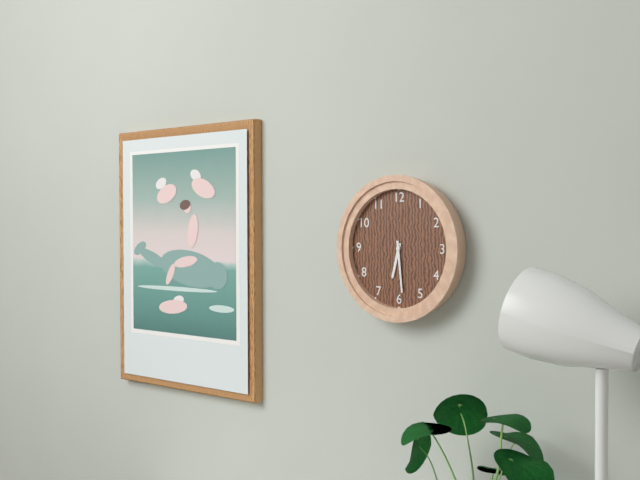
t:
6,29
